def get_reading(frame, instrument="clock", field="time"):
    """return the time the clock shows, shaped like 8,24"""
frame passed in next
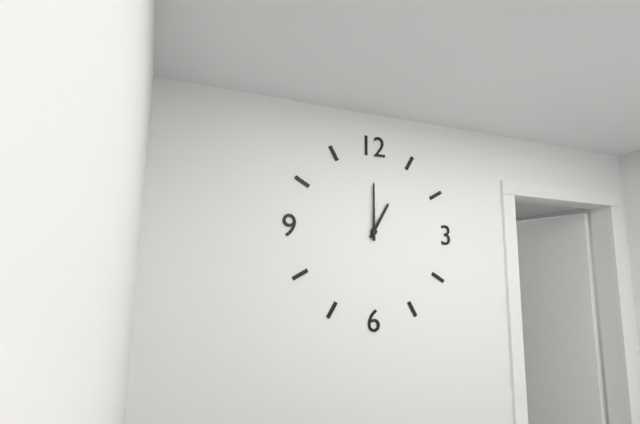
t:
1,00
